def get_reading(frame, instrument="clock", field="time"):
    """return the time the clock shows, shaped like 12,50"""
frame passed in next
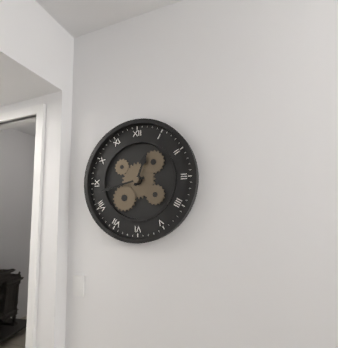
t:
12,43
